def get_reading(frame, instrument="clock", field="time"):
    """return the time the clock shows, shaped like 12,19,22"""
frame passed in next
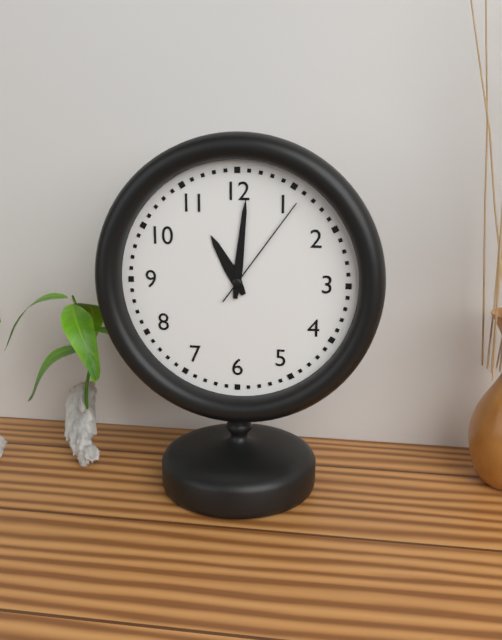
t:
11,01,06
